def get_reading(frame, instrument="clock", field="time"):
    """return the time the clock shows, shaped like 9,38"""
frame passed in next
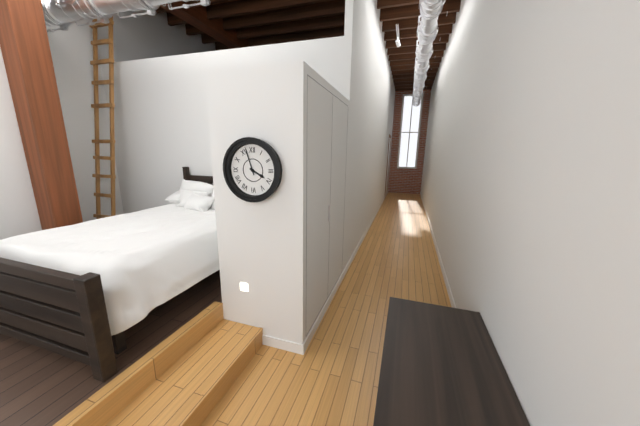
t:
3,57
